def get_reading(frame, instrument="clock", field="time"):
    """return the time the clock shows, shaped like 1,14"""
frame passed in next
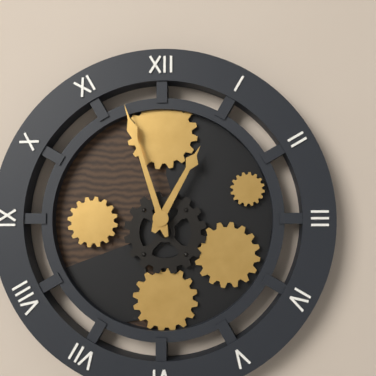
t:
12,57
